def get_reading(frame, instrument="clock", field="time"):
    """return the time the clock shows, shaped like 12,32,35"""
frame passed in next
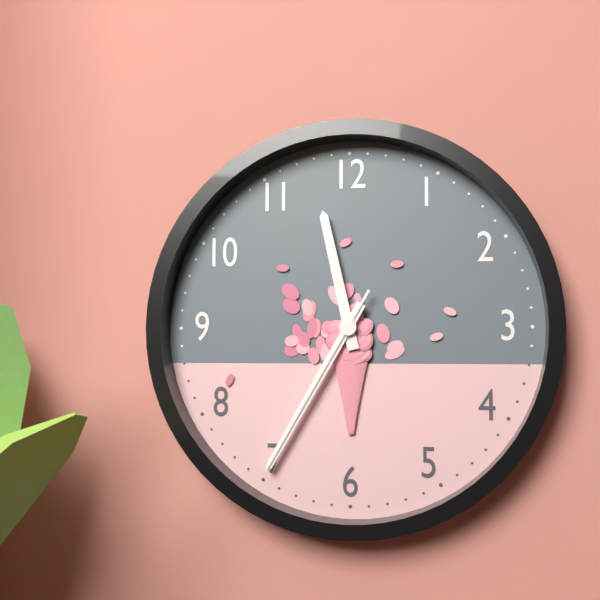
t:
11,35,35
